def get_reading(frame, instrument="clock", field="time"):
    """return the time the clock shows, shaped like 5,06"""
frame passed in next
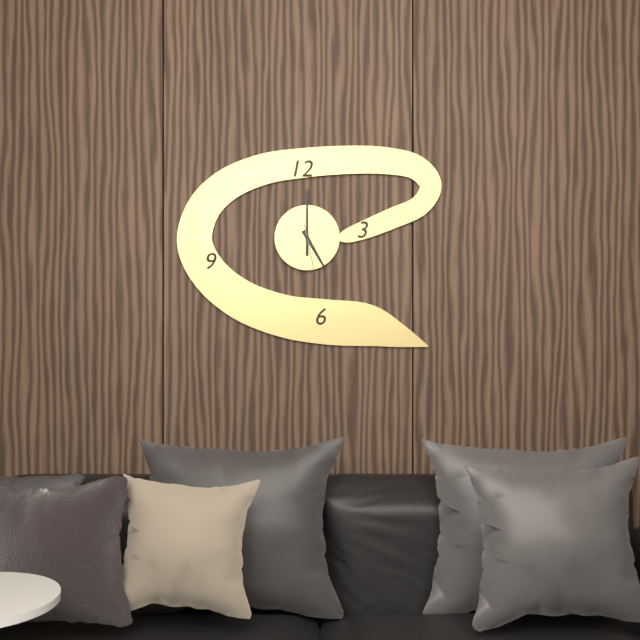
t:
5,00
